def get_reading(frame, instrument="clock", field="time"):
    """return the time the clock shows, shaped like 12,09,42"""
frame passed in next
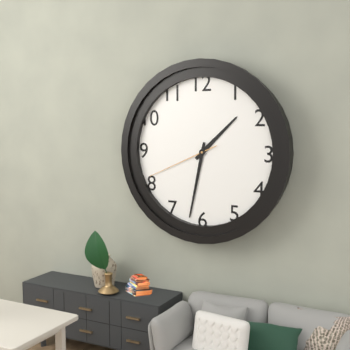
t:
1,32,41
